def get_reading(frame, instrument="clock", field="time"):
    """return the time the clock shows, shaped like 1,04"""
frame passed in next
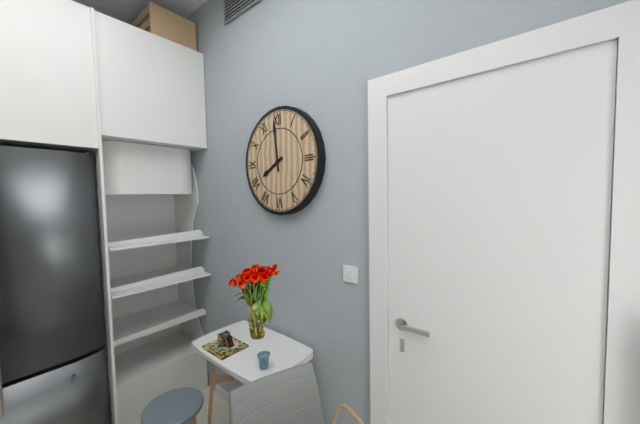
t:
7,59
